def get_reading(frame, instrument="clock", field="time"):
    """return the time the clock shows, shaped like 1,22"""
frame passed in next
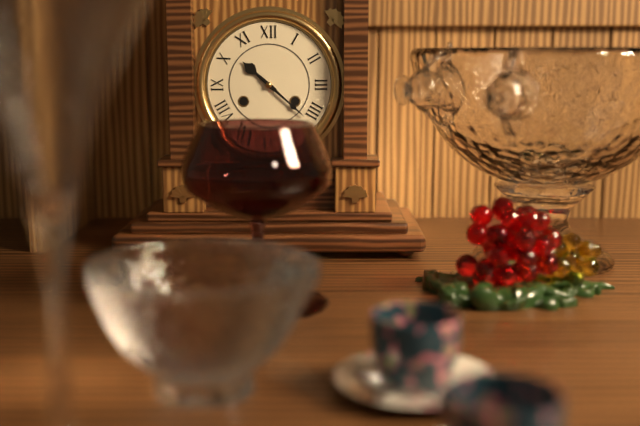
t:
10,22
